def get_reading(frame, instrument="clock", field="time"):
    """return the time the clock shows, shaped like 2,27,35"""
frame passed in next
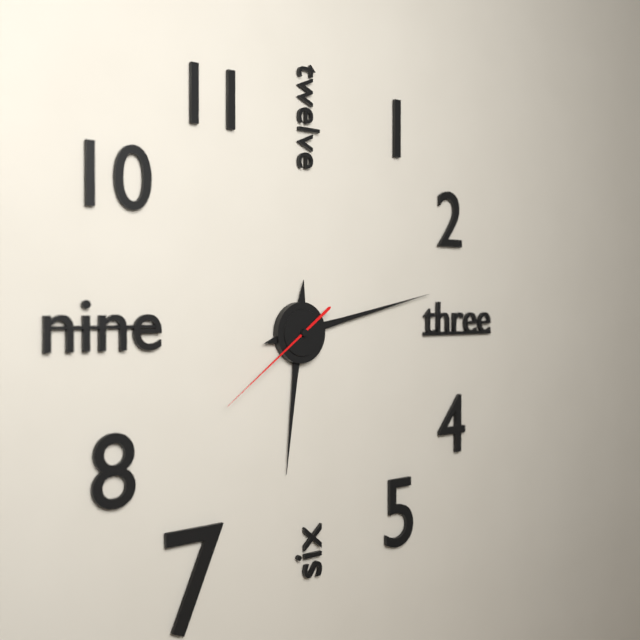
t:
6,13,39
